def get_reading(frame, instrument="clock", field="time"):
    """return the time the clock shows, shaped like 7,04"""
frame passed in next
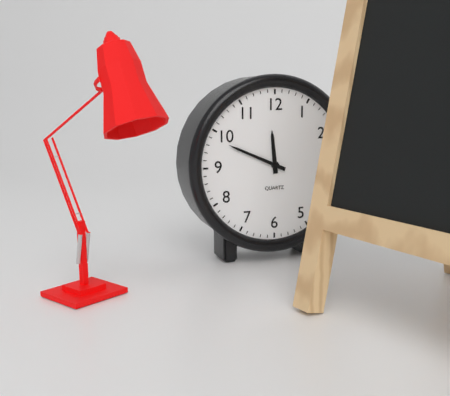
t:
11,49
